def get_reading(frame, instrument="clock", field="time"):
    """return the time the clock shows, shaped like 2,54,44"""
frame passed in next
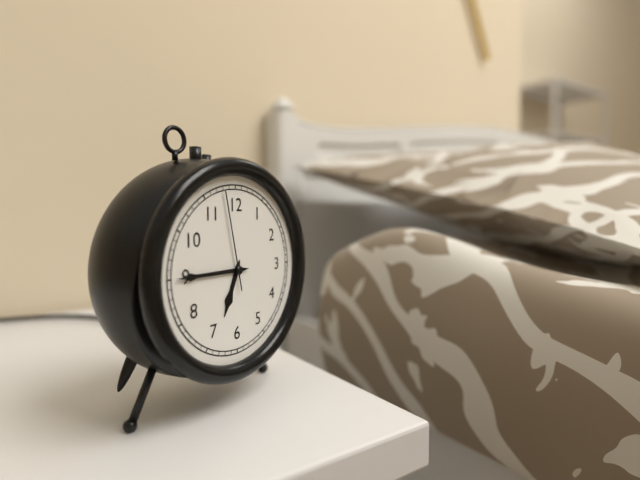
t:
6,45,58
